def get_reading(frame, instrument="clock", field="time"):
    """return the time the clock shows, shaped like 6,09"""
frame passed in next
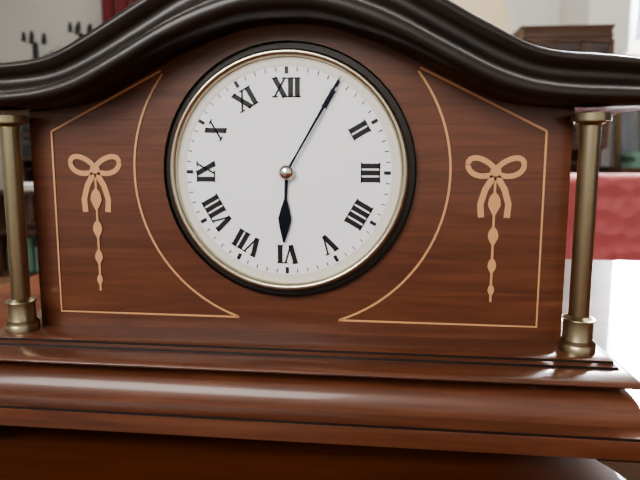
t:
6,05
